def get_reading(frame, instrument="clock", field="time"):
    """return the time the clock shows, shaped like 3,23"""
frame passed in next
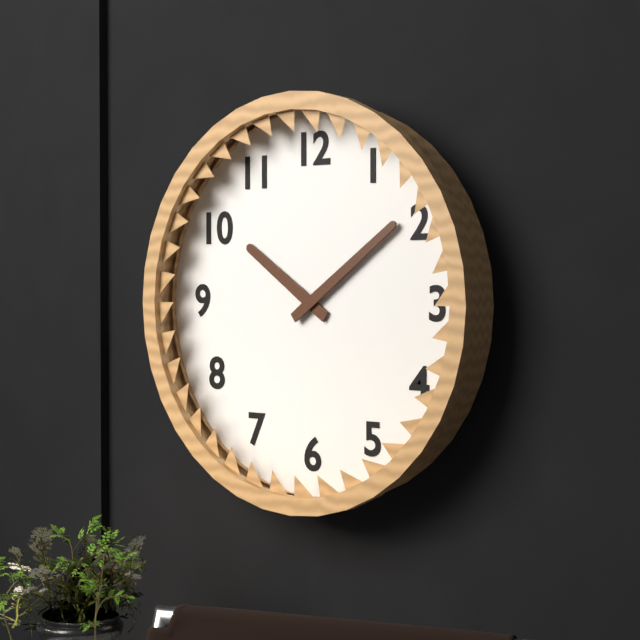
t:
10,09
